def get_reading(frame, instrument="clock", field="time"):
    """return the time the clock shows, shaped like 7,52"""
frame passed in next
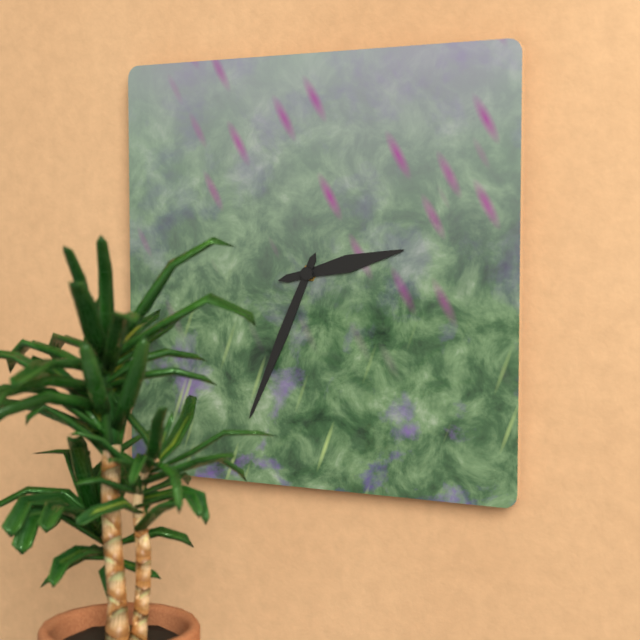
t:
2,34
